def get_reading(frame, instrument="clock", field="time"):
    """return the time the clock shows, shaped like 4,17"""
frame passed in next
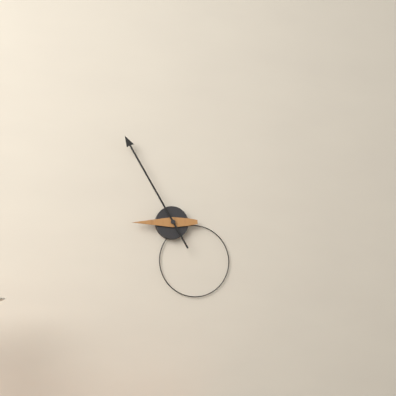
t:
8,55
